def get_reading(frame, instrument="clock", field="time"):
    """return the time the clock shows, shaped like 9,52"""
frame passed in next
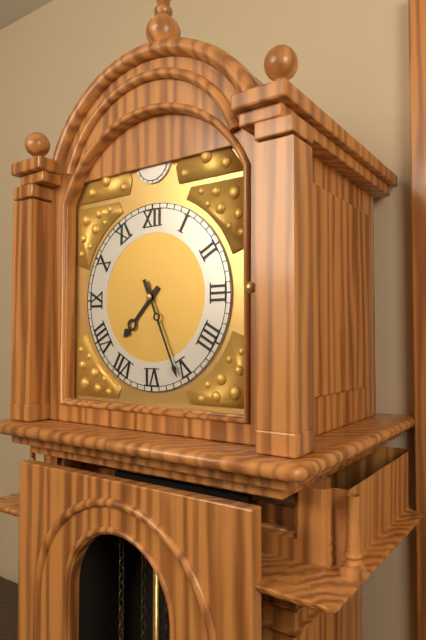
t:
7,26
